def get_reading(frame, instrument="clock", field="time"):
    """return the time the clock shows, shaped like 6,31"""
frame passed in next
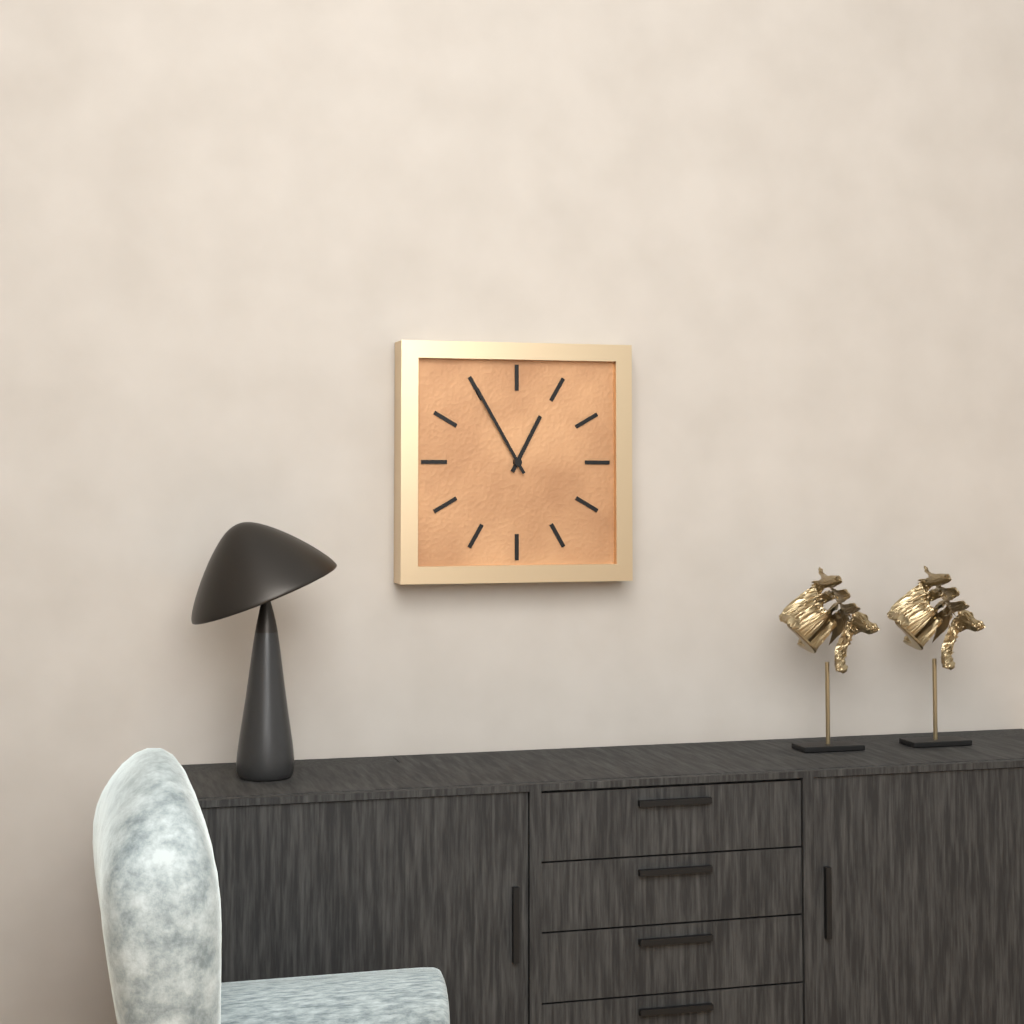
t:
12,55
